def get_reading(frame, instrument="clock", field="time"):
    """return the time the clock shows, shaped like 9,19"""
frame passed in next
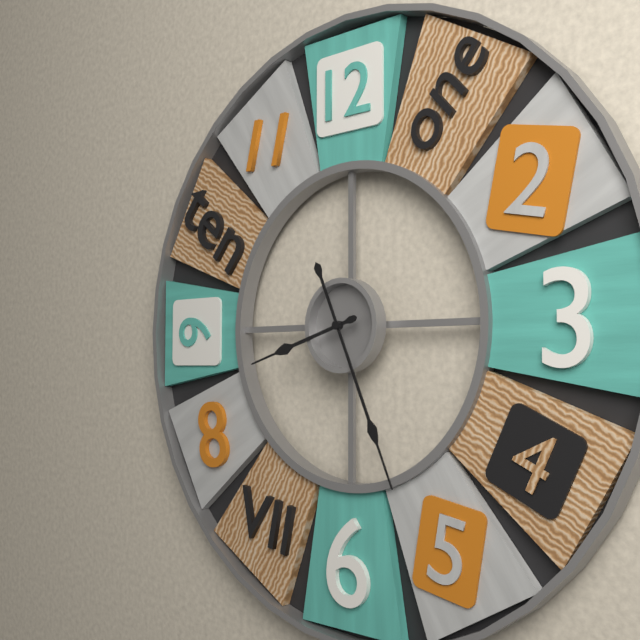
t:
8,26
